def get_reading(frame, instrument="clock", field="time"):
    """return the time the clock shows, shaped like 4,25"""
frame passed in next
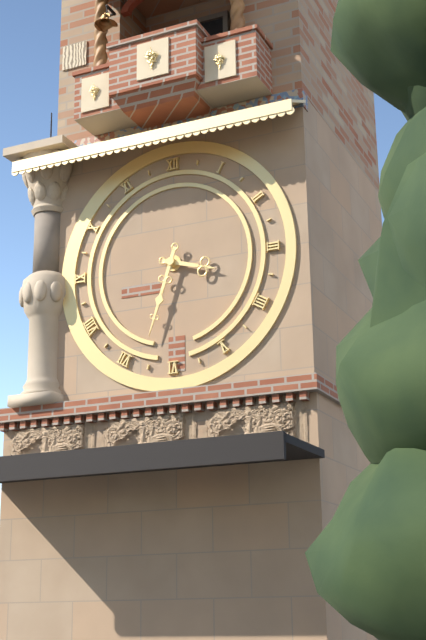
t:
3,33
